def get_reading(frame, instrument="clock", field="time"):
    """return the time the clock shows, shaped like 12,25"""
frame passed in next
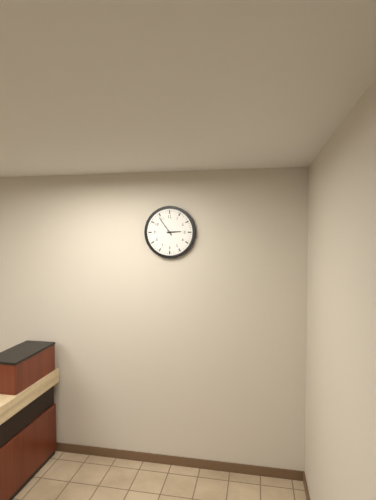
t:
2,54
